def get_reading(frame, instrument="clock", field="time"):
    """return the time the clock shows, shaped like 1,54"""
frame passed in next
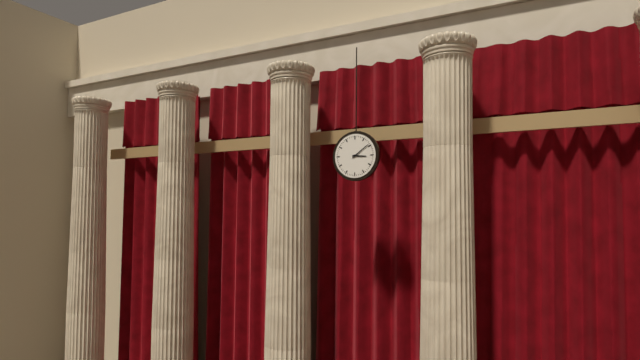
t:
3,09
